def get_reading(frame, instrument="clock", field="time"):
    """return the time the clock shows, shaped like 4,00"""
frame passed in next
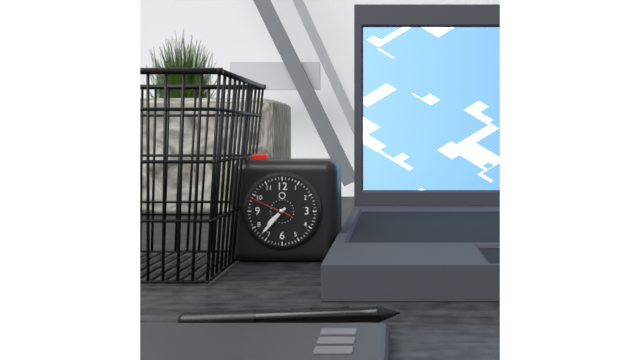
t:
7,37
